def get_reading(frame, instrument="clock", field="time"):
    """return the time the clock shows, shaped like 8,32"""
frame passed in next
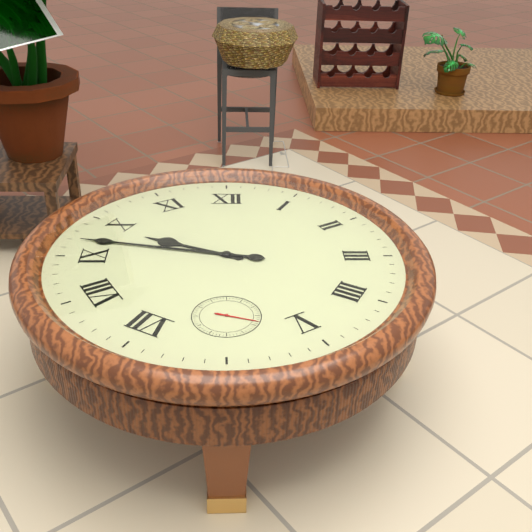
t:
9,47
